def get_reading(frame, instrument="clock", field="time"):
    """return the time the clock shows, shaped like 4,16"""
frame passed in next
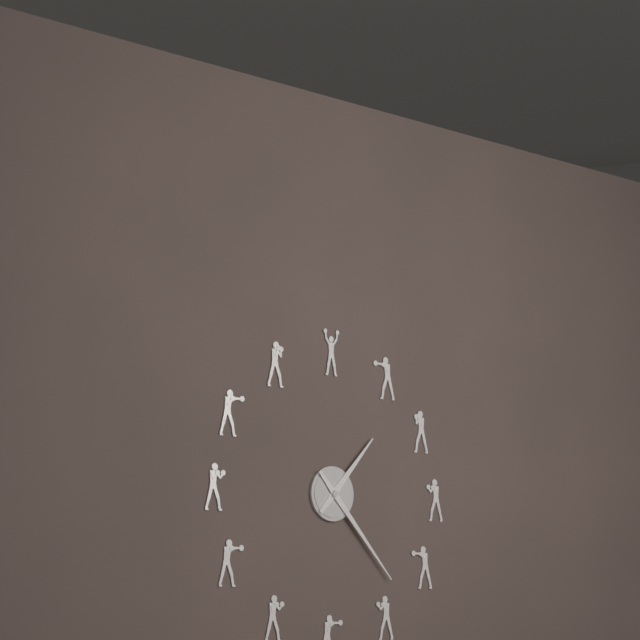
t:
1,23
